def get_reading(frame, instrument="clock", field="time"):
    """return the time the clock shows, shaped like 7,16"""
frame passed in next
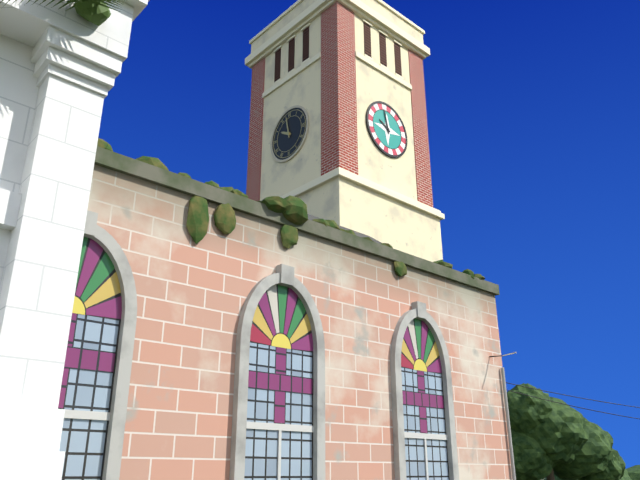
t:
9,58
